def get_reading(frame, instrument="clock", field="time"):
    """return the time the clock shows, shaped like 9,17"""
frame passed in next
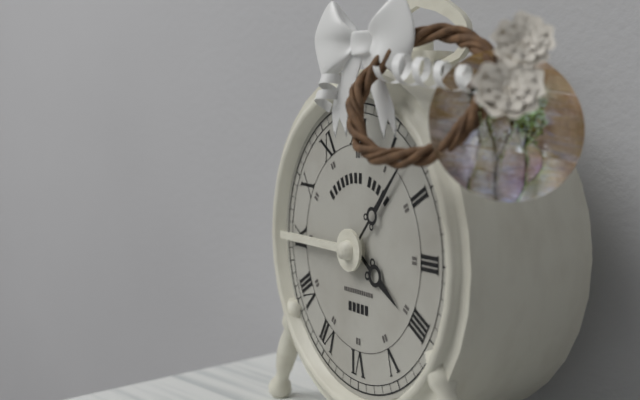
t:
4,07
